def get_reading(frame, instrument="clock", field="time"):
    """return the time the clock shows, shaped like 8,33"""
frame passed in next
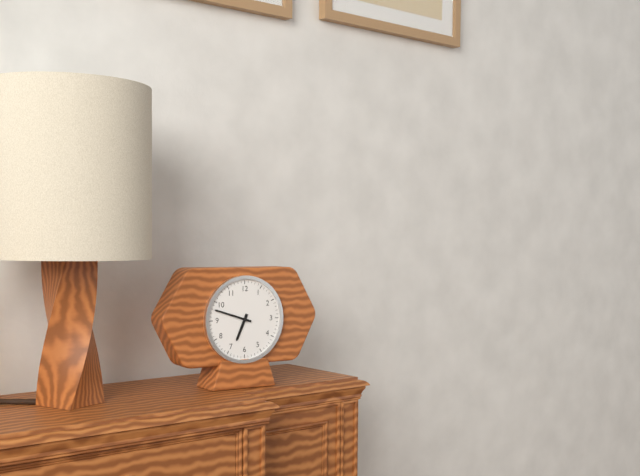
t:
6,48
